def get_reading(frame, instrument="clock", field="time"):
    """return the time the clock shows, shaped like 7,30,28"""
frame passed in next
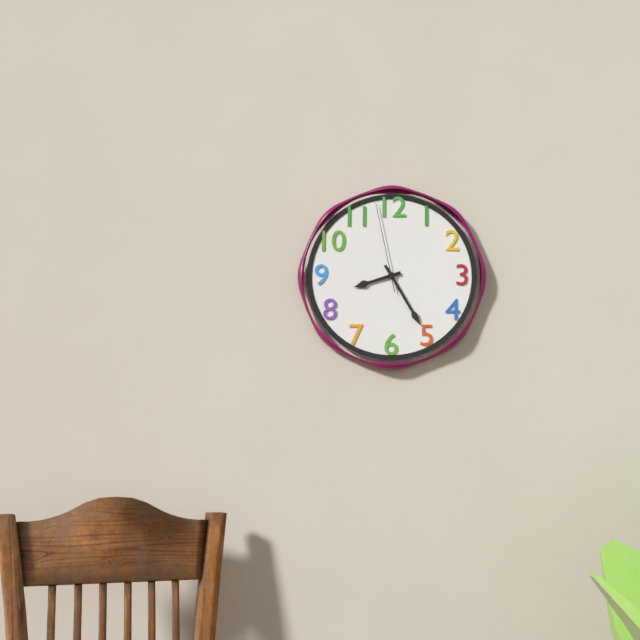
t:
8,25,58
